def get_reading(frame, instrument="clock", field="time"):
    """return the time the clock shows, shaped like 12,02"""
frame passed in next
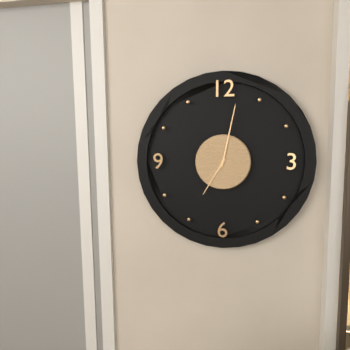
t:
7,02
